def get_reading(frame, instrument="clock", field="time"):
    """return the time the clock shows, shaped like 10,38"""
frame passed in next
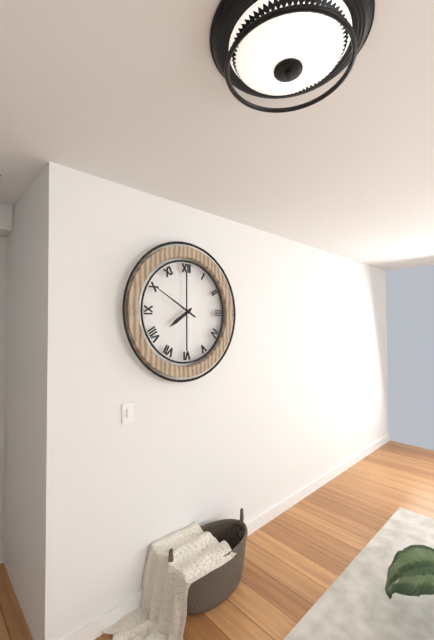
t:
7,50
